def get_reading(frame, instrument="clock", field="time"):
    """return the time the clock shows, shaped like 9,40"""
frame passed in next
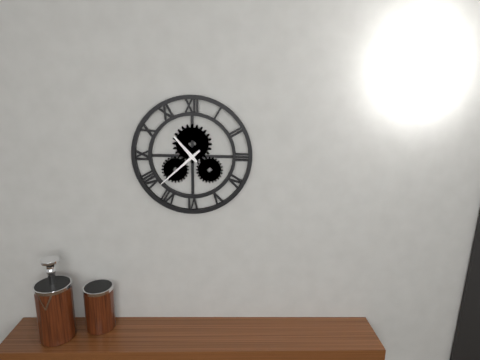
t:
10,38
